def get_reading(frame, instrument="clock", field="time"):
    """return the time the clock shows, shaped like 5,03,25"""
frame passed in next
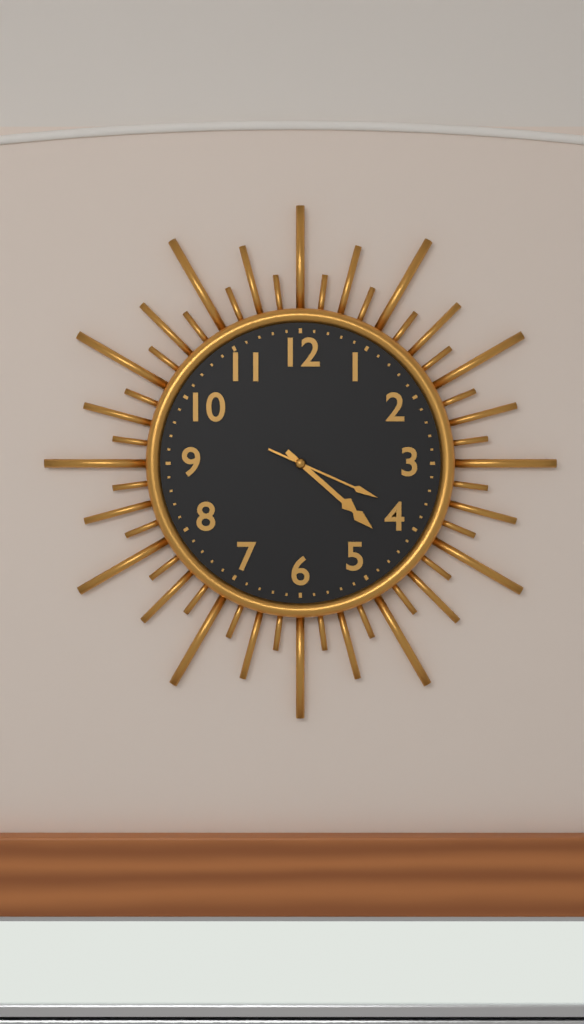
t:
4,22,19
